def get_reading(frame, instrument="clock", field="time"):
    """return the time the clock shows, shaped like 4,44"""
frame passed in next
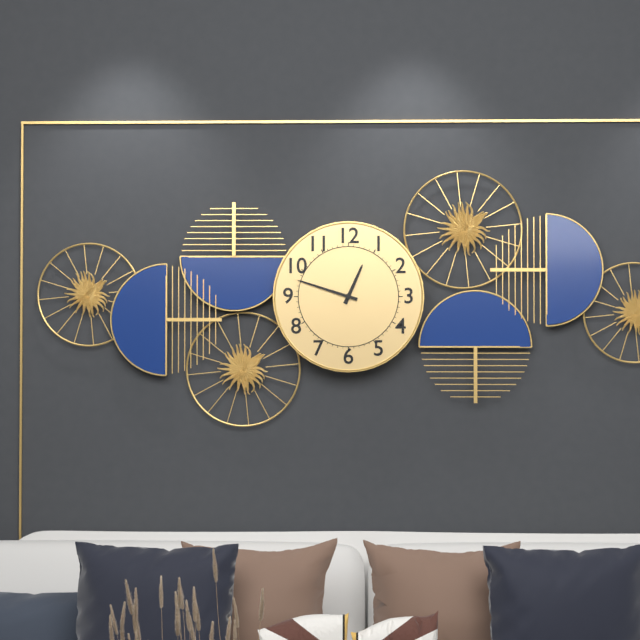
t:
12,48
